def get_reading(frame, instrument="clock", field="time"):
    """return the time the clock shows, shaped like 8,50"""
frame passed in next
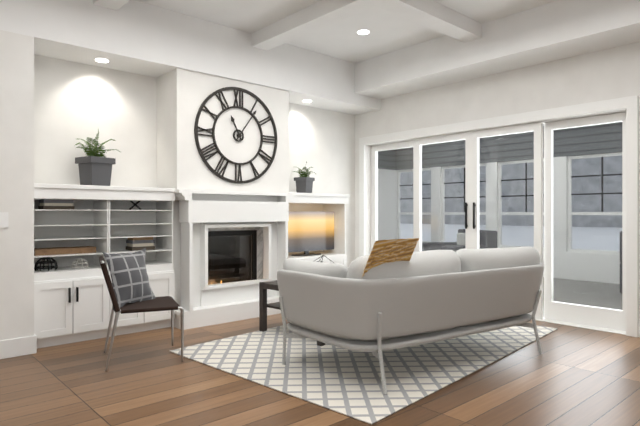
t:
11,06
